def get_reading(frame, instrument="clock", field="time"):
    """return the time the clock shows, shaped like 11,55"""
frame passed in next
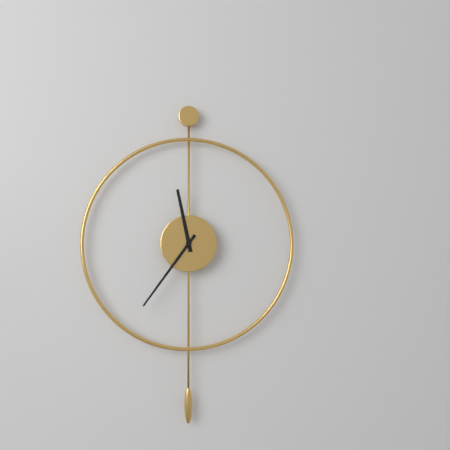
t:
11,36
